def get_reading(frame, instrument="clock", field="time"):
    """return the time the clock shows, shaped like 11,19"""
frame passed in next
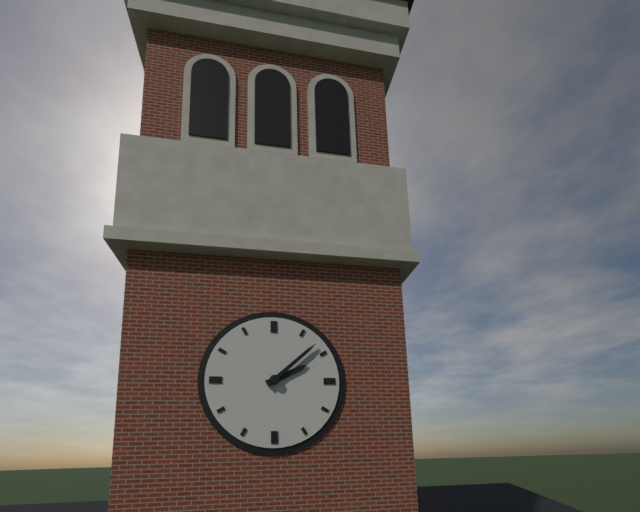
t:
2,08
